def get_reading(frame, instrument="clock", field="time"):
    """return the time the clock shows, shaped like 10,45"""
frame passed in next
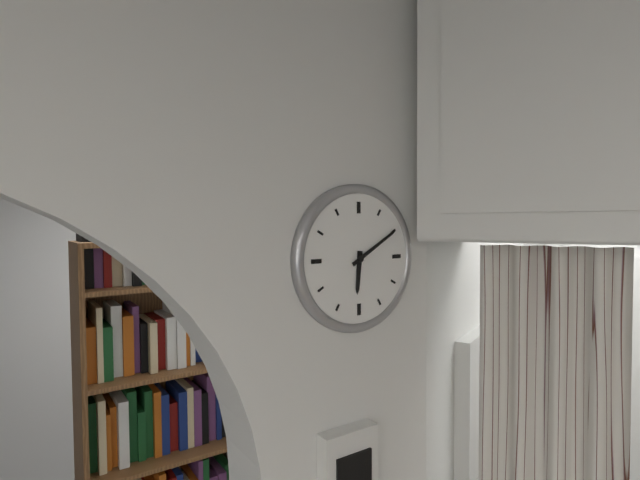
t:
6,10
